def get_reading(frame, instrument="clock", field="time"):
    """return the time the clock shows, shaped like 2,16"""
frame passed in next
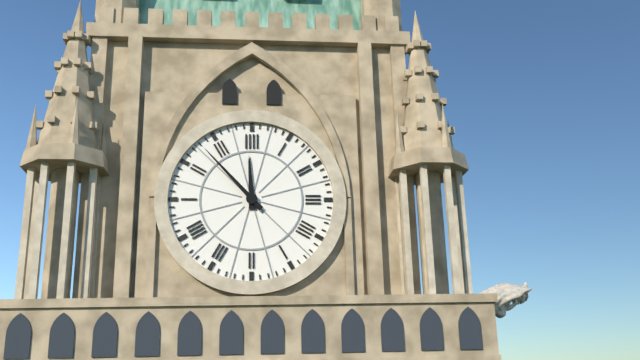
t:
11,53
